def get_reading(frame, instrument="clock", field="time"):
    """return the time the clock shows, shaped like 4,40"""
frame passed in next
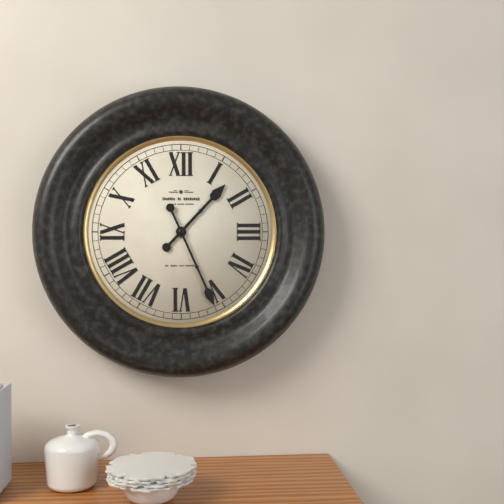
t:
1,26
